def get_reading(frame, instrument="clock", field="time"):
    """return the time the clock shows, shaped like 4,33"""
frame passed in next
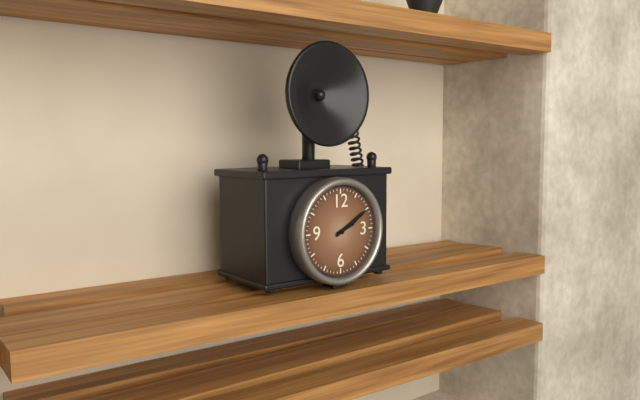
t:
2,10
